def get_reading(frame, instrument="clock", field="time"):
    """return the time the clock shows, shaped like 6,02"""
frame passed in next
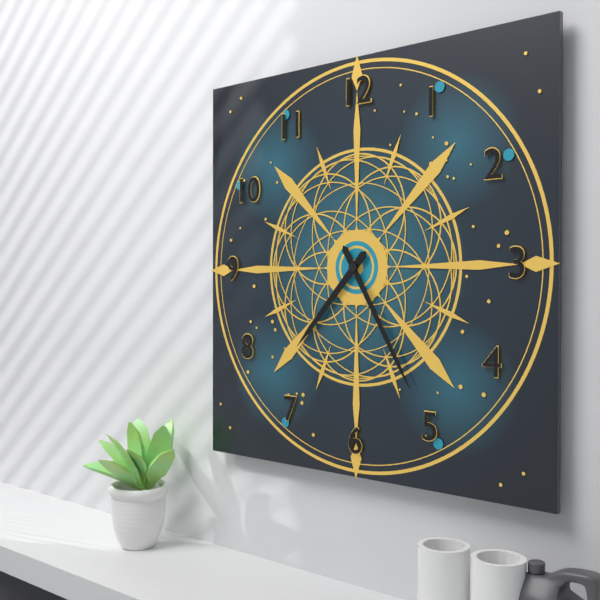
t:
7,25
